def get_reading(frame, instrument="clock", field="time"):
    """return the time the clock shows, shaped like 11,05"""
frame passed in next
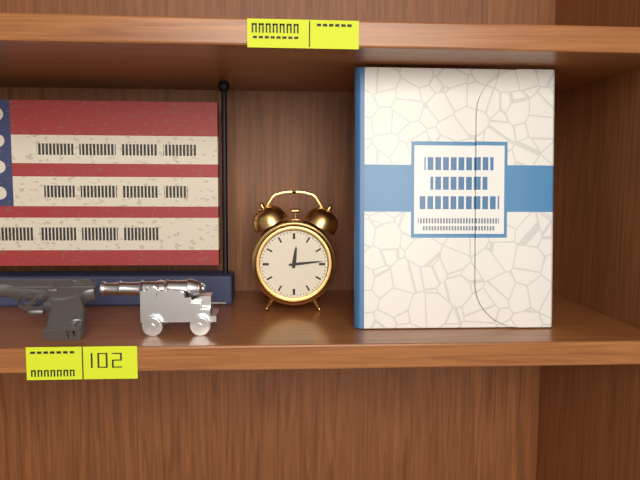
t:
12,14
